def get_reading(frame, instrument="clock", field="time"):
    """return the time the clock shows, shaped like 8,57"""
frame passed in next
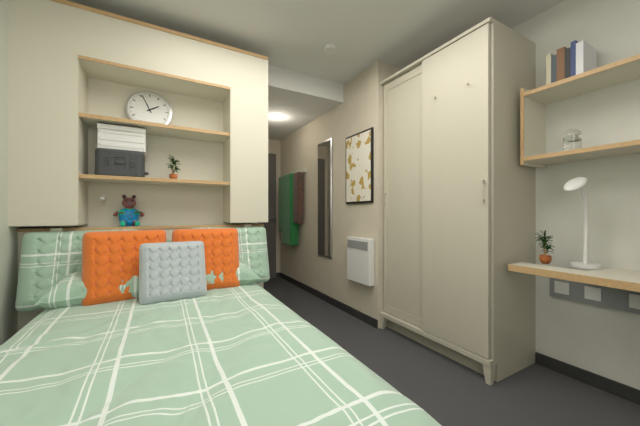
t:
1,56
